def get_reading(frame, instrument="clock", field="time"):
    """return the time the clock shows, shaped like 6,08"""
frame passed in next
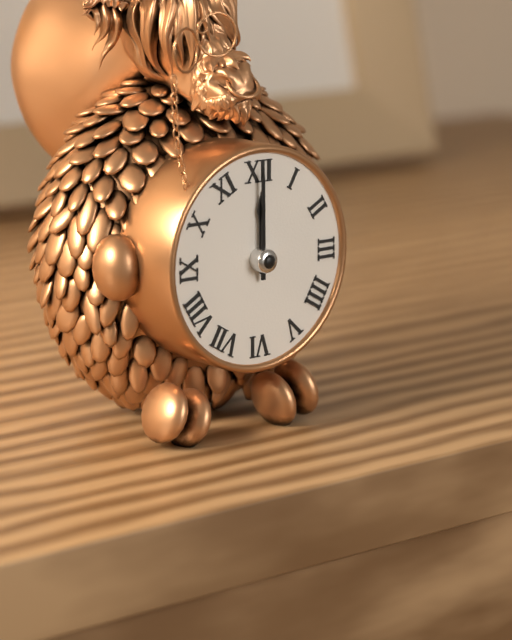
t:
12,00
